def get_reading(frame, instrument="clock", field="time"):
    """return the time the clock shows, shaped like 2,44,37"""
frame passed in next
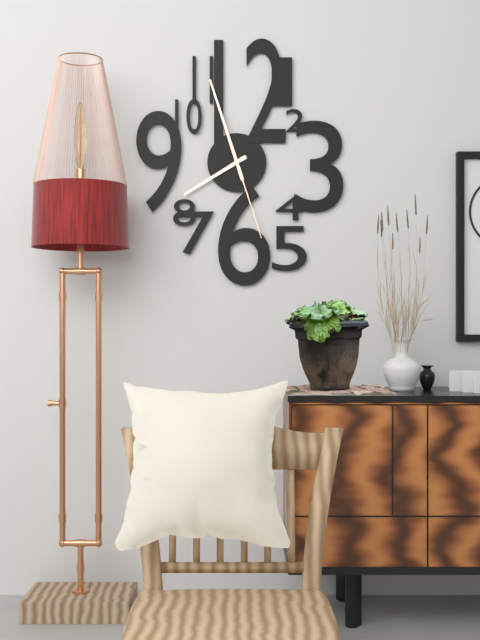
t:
7,57,27
